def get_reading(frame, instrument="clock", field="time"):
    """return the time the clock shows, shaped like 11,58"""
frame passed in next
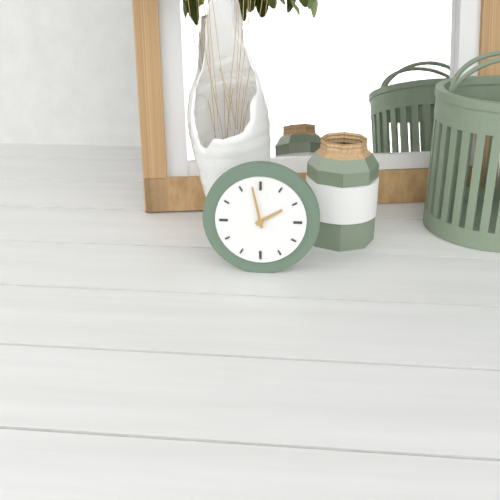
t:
1,58
